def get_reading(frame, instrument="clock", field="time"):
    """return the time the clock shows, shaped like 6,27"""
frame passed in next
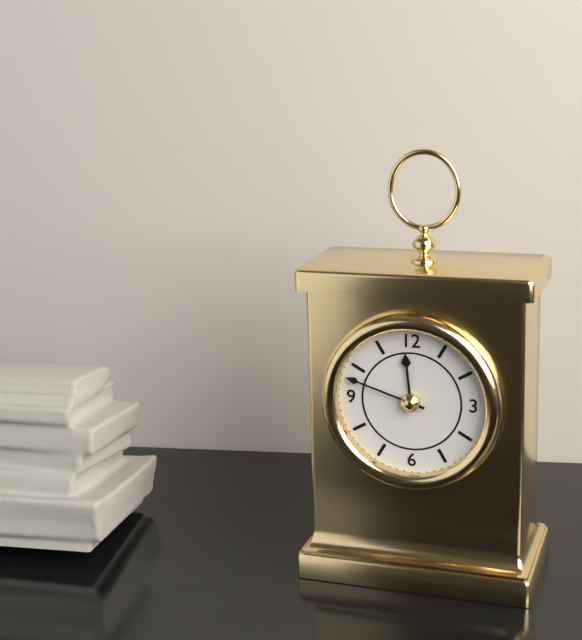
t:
11,48
